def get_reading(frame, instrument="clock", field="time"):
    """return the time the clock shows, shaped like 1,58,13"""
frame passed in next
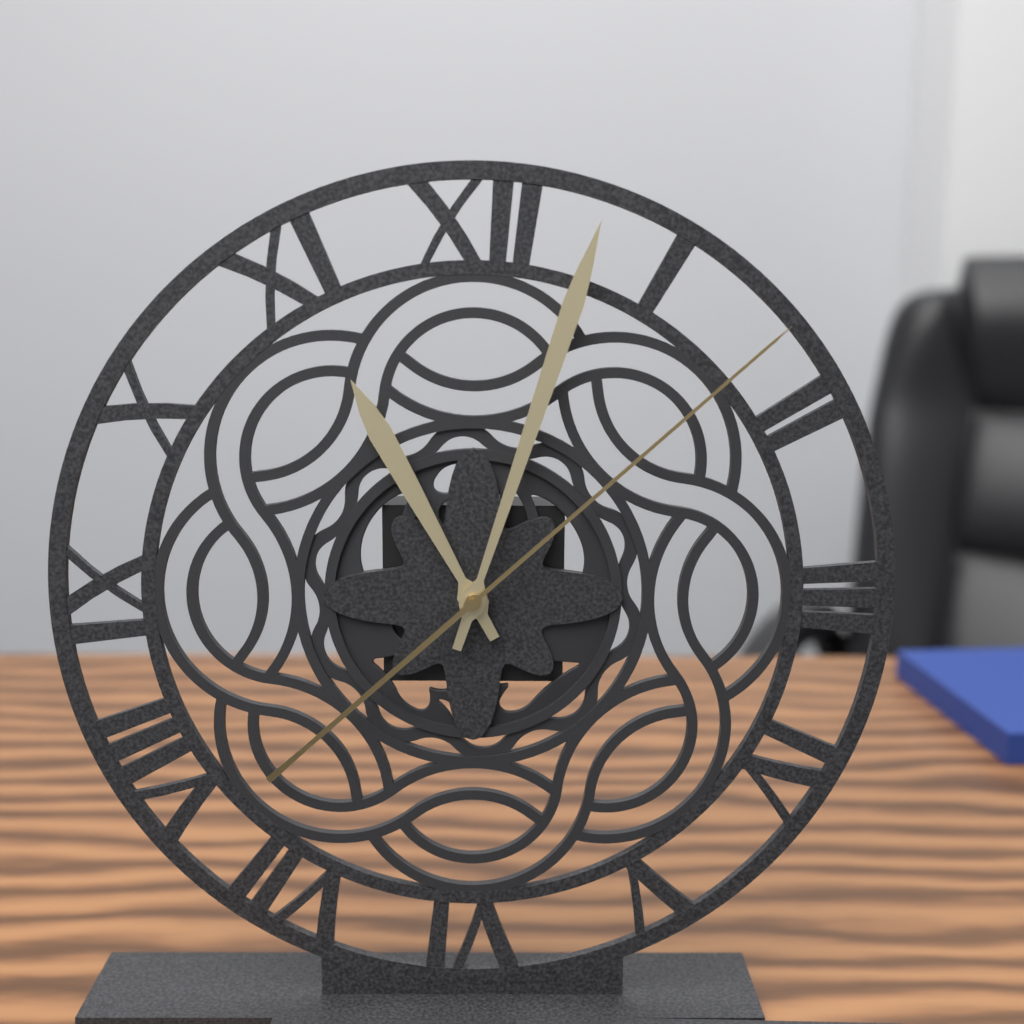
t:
11,03,08
